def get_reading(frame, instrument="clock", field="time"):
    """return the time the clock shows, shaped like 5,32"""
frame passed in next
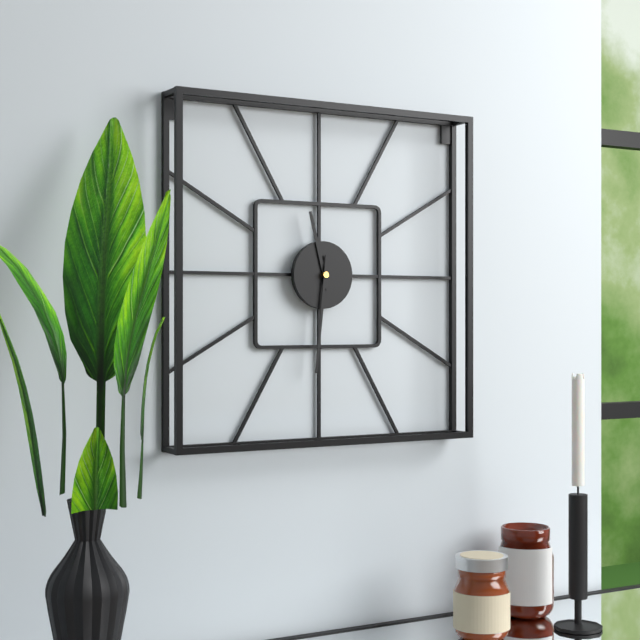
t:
11,31
